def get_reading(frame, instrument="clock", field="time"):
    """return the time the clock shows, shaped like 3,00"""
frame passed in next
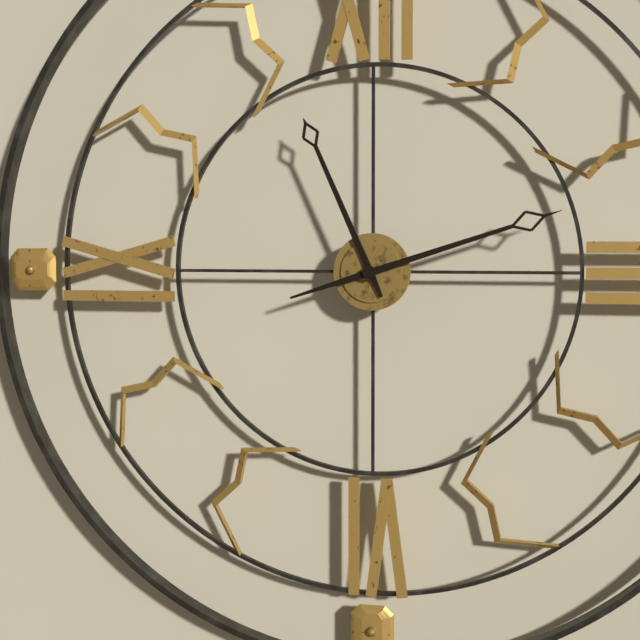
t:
11,12
